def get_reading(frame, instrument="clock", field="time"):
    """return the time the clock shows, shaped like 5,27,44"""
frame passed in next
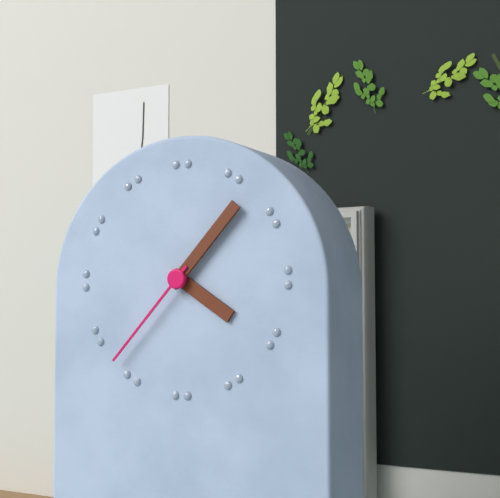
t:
4,07,37
